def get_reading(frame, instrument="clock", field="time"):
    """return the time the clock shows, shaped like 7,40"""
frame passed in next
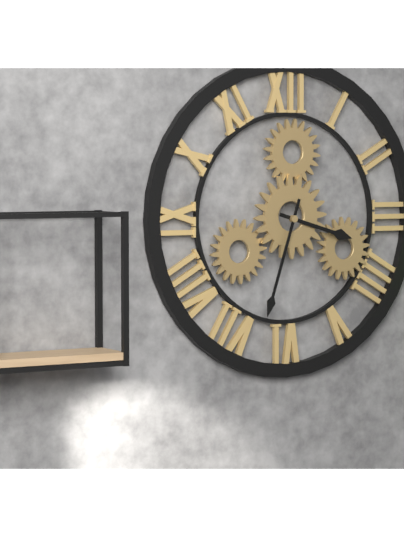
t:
3,33
